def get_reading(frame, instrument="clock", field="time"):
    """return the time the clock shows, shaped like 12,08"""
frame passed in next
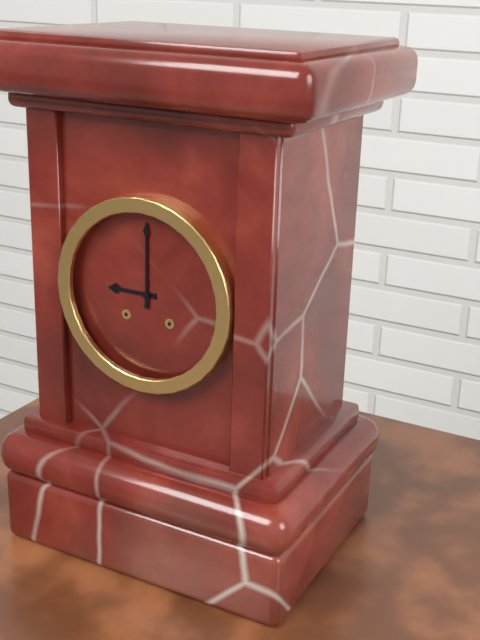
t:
9,00
